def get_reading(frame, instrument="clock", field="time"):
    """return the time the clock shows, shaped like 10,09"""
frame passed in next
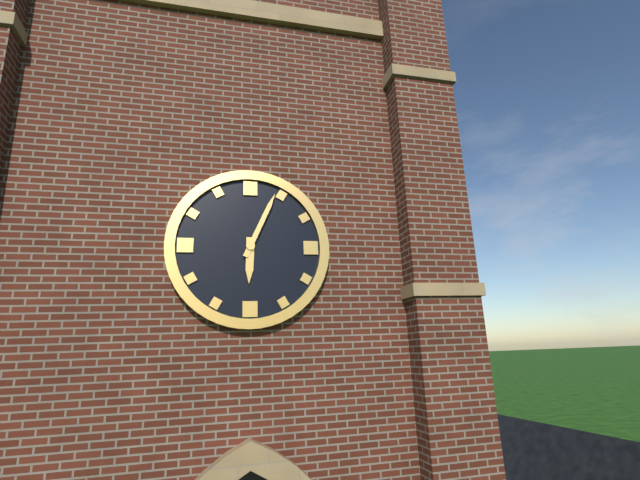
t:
6,04
